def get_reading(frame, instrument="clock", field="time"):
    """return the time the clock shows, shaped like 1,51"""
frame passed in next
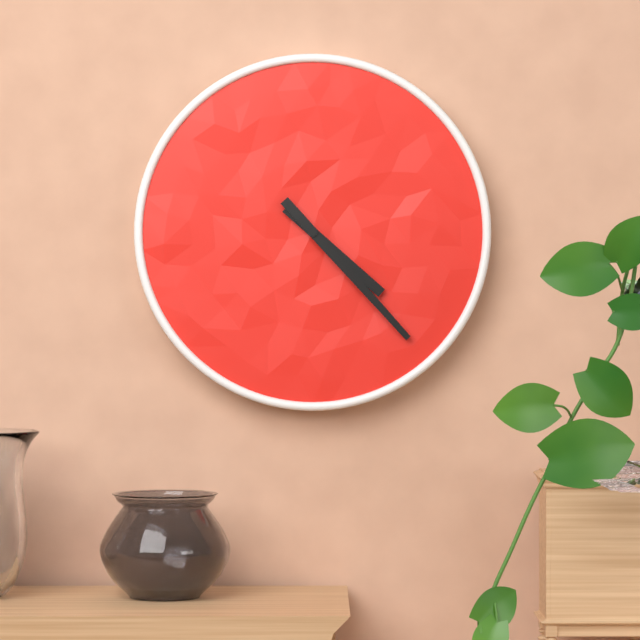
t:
4,23
